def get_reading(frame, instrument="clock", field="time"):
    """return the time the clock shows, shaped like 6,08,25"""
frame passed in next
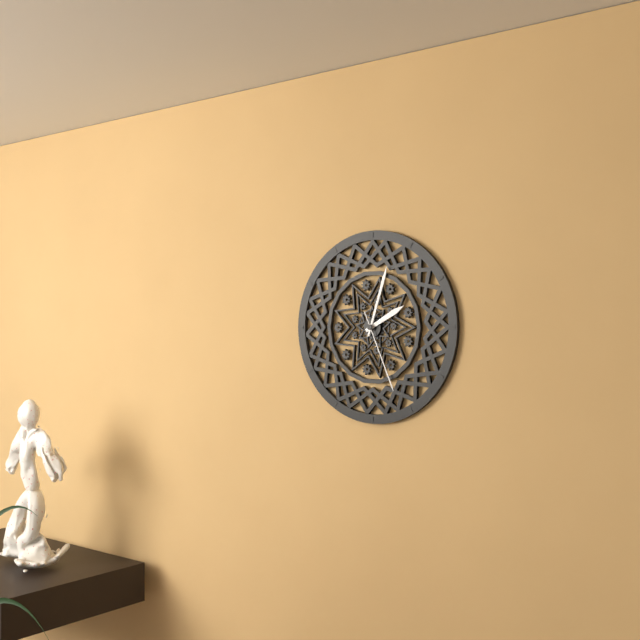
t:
2,03,26
